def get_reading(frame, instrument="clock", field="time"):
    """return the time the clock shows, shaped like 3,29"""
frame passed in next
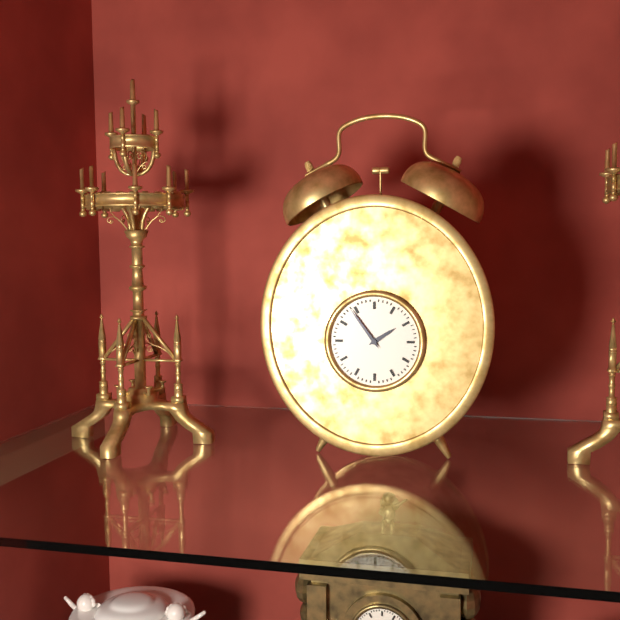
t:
1,54
